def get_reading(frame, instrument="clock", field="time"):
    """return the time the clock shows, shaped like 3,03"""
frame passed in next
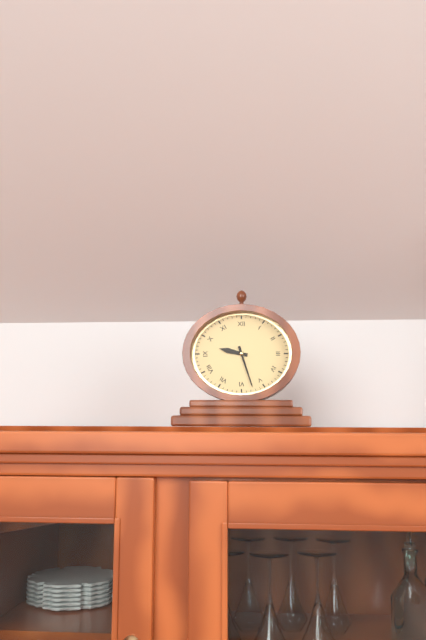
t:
9,27
